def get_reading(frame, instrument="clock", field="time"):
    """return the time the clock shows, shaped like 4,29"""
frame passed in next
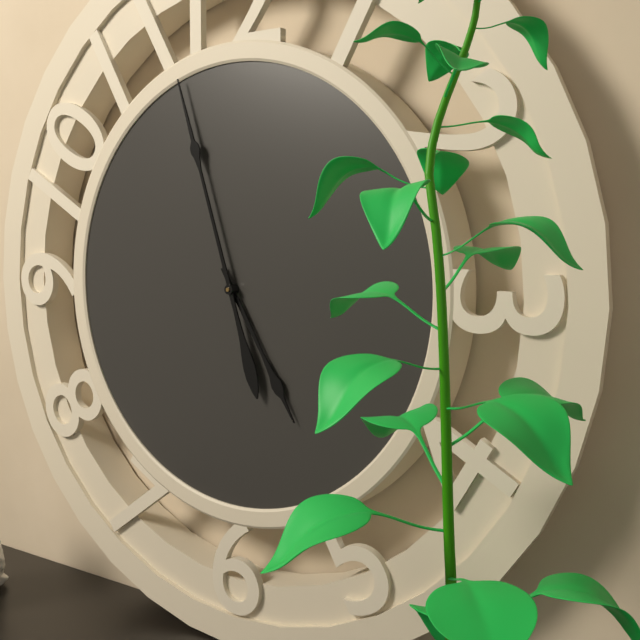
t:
4,57
